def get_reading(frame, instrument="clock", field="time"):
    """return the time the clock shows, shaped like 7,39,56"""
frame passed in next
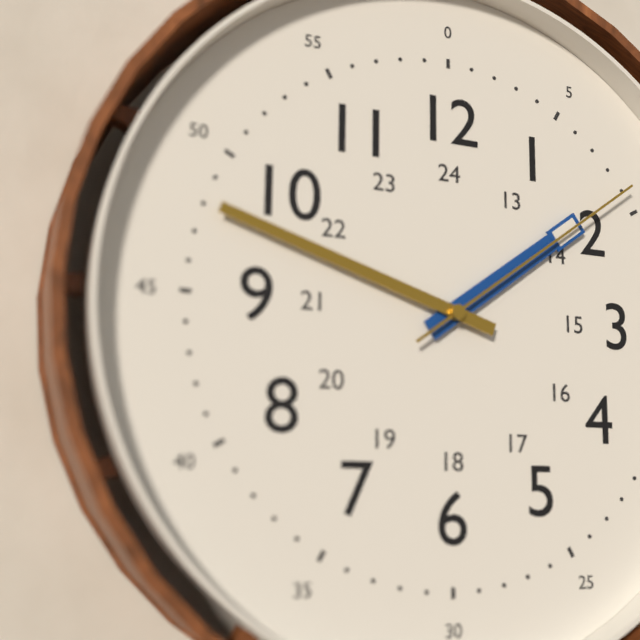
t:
1,48,09
